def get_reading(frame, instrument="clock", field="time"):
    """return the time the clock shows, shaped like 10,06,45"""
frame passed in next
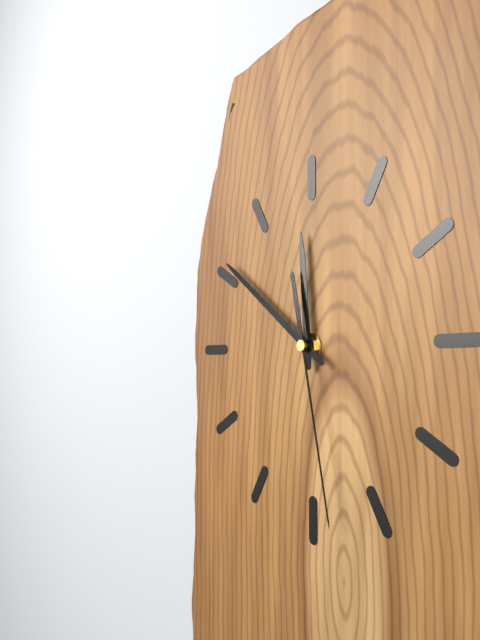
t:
11,51,28
